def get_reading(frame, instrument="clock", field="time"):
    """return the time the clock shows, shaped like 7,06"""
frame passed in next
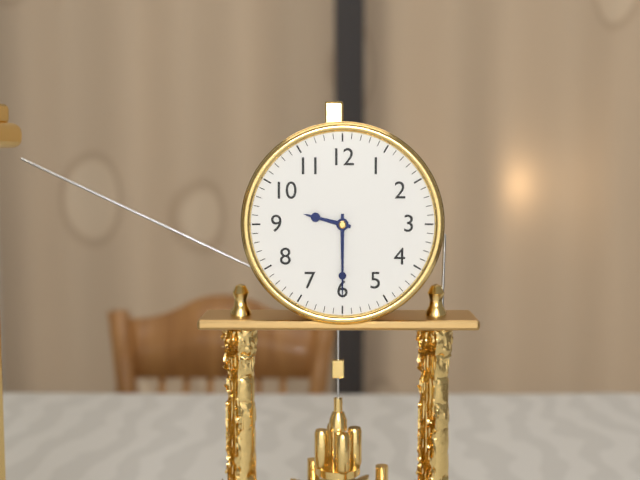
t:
9,30
